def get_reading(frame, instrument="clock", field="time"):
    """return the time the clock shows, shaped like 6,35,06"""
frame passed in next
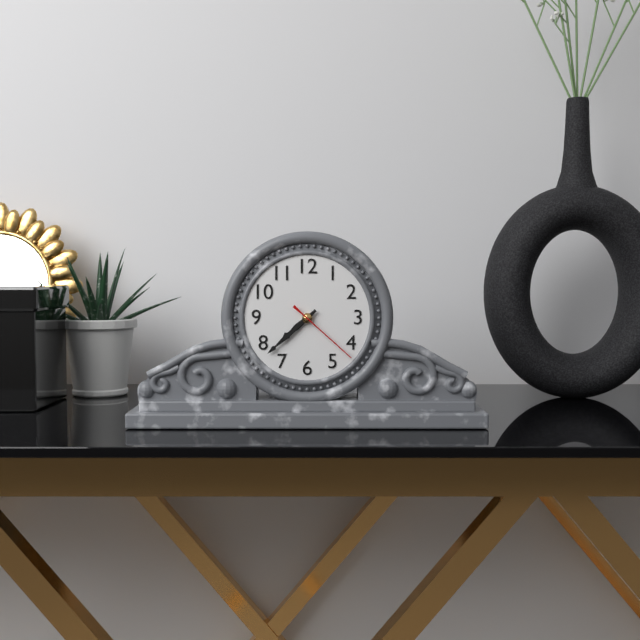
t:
7,38,22
